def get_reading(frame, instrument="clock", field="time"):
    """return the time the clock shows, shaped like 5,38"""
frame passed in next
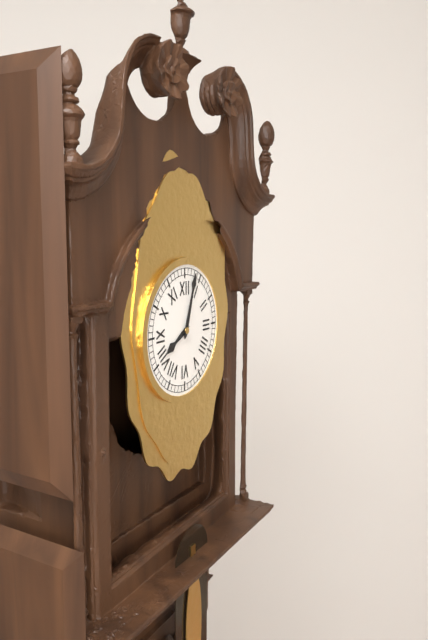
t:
8,03
